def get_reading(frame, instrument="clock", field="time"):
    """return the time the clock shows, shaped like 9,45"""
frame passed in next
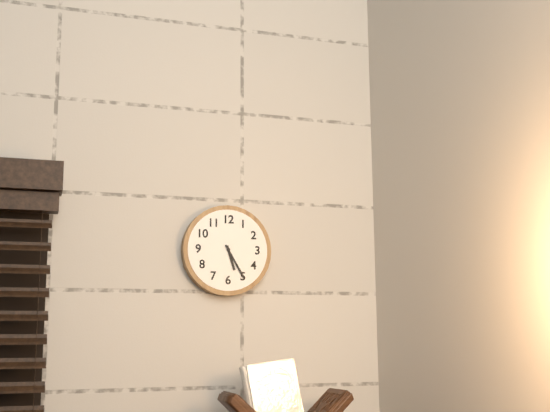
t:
5,25
